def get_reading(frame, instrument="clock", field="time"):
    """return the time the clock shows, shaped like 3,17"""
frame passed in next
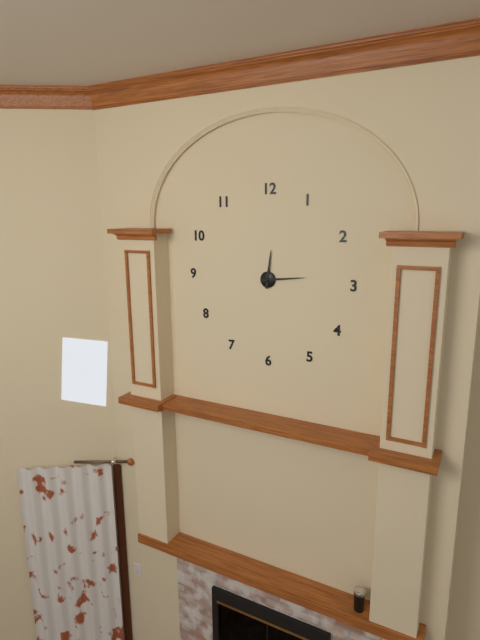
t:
12,14
